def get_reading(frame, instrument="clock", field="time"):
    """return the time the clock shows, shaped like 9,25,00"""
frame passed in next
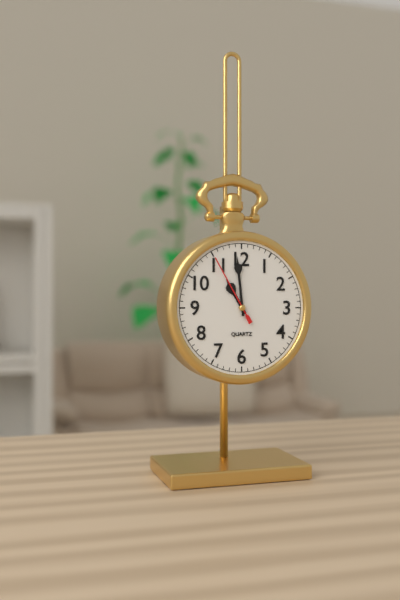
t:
10,59,55
